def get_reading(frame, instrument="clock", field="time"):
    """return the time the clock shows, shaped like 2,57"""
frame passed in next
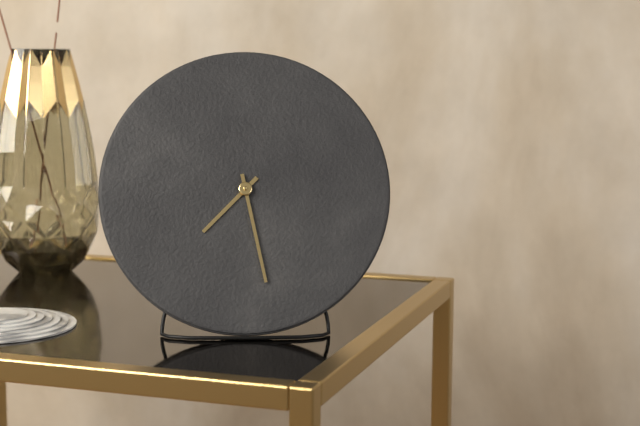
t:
7,28
